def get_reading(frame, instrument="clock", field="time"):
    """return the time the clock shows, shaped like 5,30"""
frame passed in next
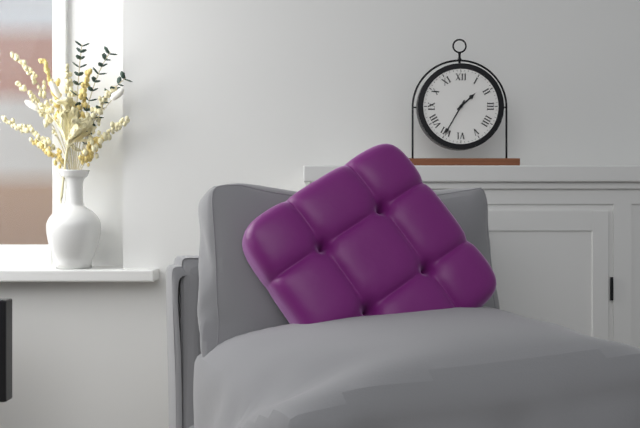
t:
1,35
